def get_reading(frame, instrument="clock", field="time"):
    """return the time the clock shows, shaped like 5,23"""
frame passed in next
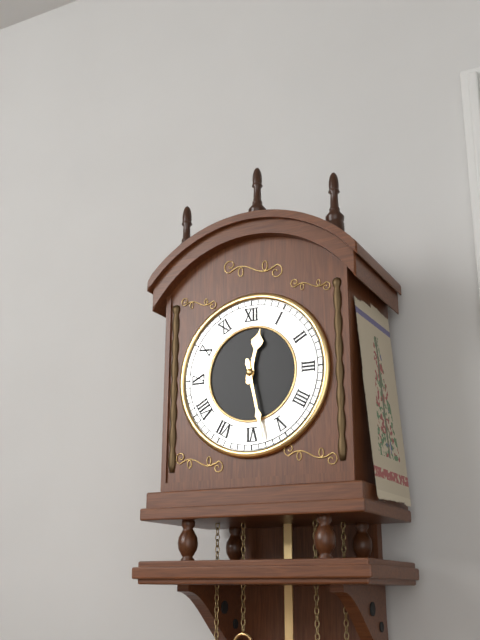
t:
12,28
